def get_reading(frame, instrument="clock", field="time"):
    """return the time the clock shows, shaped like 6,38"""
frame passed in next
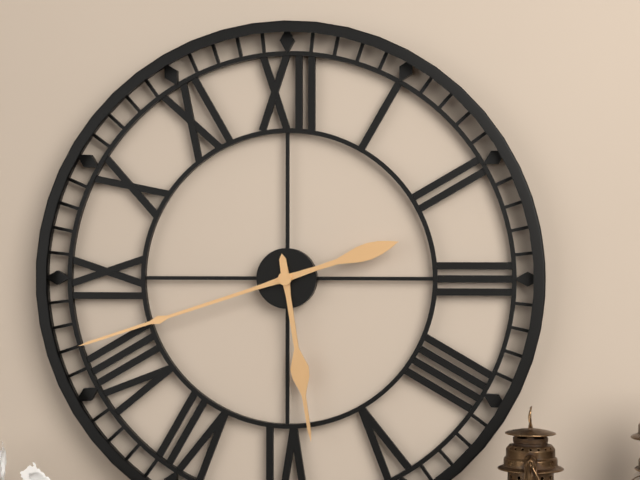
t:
5,42
